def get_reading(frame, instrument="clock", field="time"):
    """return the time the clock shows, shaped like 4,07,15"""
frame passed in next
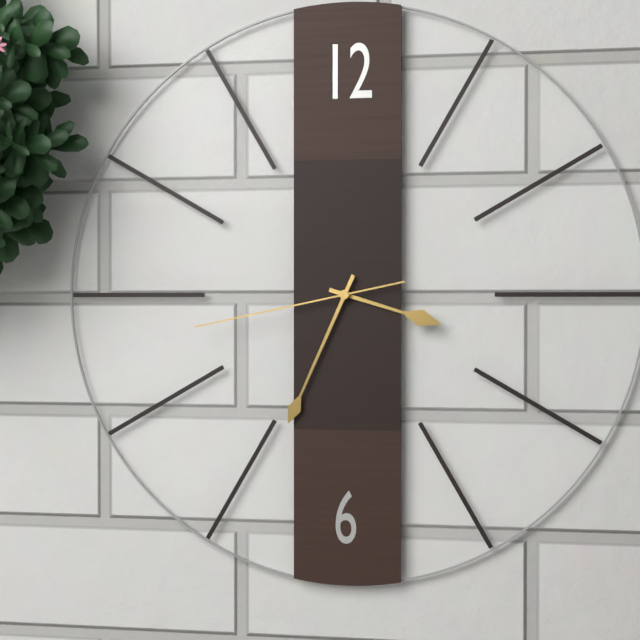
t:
3,34,43
